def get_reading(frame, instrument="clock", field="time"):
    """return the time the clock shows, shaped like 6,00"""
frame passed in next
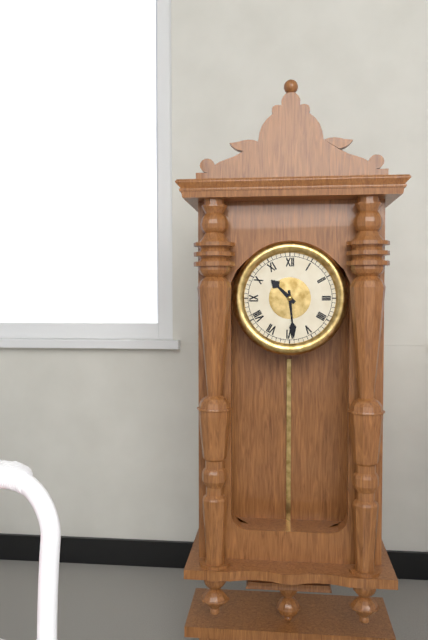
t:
10,29
